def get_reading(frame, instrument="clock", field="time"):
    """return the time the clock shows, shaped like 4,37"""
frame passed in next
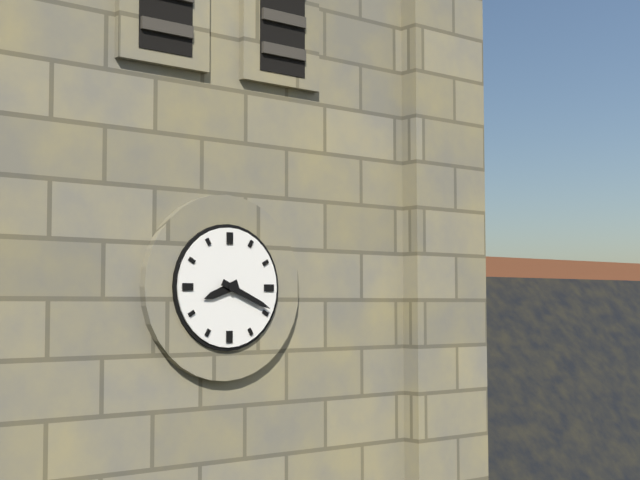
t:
8,19
